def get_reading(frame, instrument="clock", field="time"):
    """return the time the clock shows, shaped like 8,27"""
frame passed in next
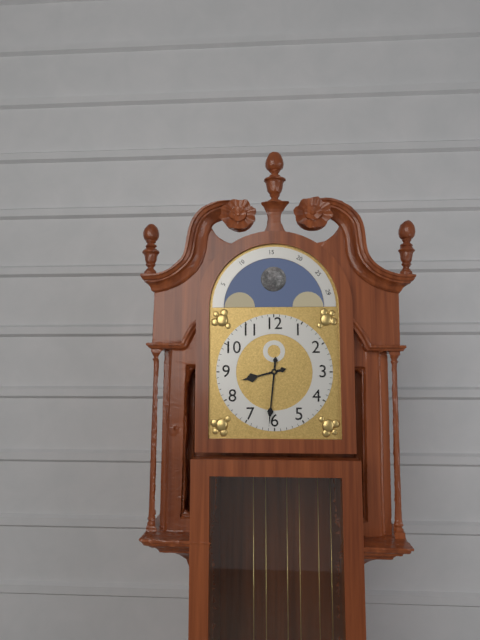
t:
8,31
